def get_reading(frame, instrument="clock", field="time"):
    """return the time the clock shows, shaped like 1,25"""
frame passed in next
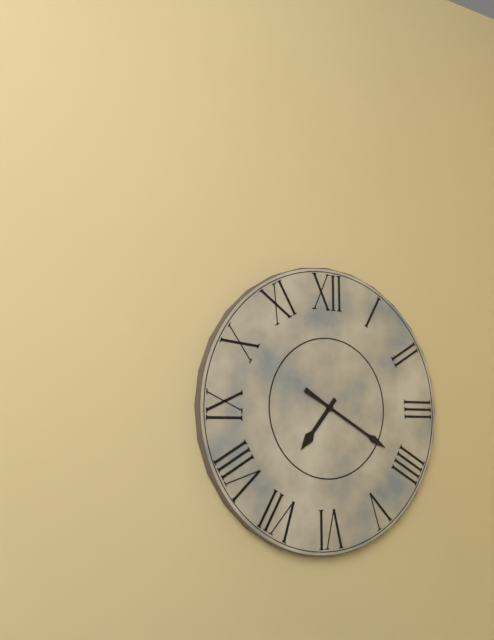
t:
7,20
